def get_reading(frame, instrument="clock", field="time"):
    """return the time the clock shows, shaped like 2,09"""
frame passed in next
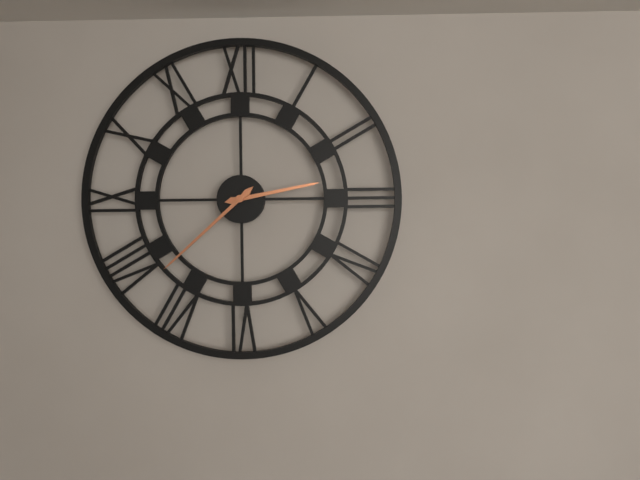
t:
2,38
